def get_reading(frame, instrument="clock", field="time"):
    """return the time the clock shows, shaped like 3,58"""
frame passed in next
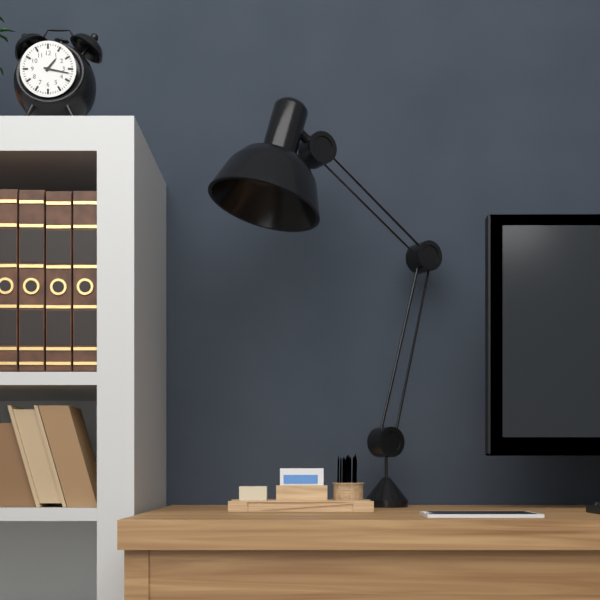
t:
1,17
